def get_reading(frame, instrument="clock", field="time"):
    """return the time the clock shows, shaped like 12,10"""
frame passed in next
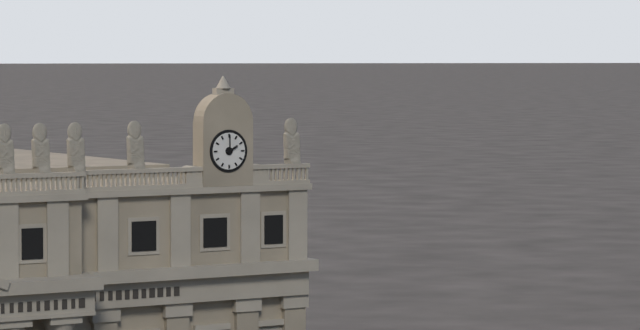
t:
2,00
